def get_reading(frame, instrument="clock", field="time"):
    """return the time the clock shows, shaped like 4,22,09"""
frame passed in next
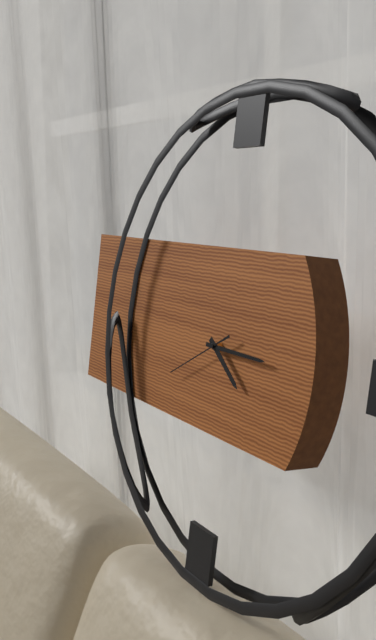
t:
4,15,40
